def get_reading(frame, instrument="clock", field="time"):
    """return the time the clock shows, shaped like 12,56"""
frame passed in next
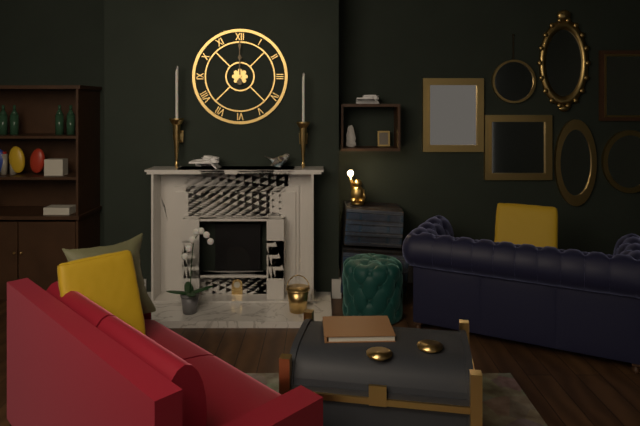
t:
12,00
